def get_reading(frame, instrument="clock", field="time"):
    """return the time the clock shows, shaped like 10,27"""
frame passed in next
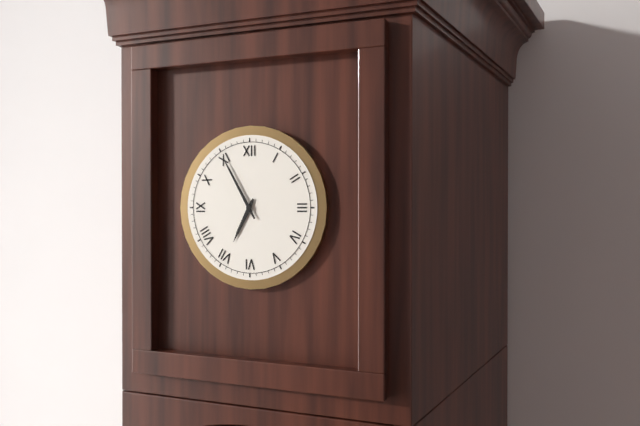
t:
6,55
